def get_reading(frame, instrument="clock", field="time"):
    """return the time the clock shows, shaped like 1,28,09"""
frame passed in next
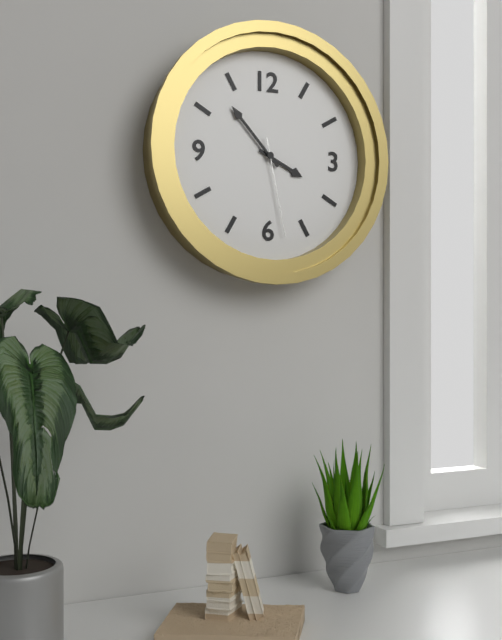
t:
3,53,28
